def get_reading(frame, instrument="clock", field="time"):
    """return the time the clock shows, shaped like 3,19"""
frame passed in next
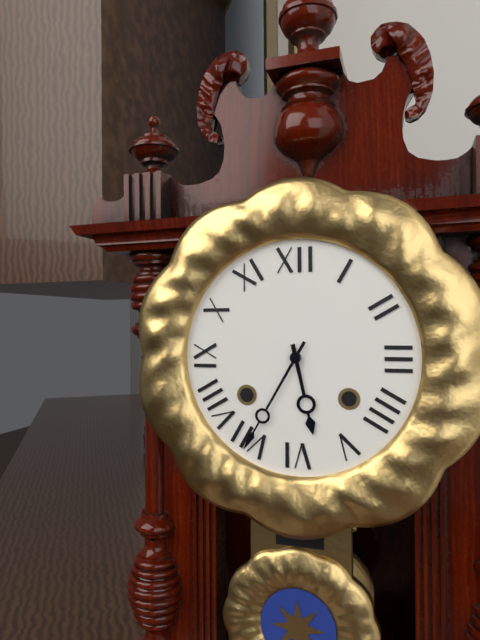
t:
5,35
